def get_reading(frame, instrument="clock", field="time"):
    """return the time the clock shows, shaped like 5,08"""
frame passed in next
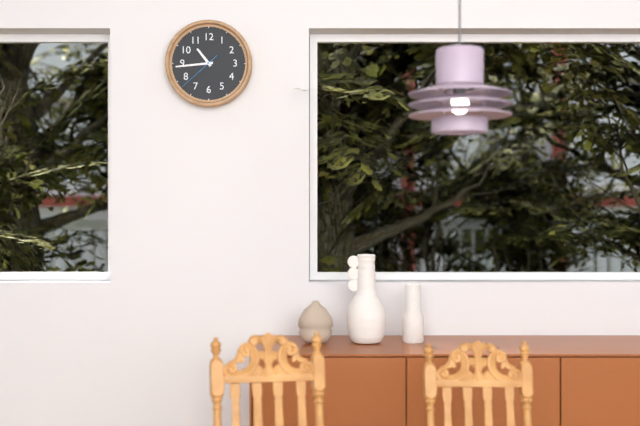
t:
10,44
